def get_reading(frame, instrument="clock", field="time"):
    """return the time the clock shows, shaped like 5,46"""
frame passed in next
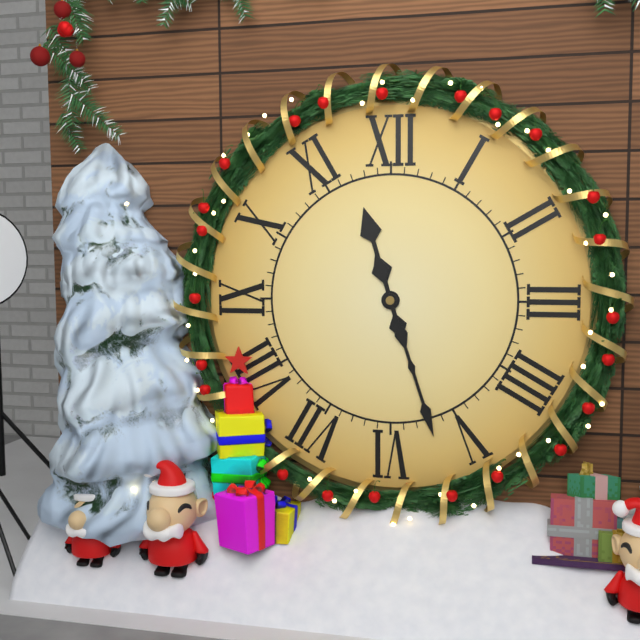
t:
11,27
